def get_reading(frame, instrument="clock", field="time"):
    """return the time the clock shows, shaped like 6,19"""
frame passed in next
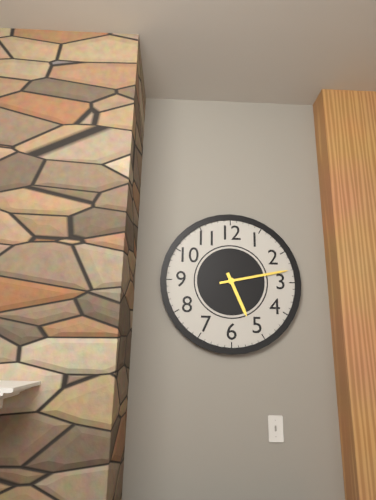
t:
5,13
